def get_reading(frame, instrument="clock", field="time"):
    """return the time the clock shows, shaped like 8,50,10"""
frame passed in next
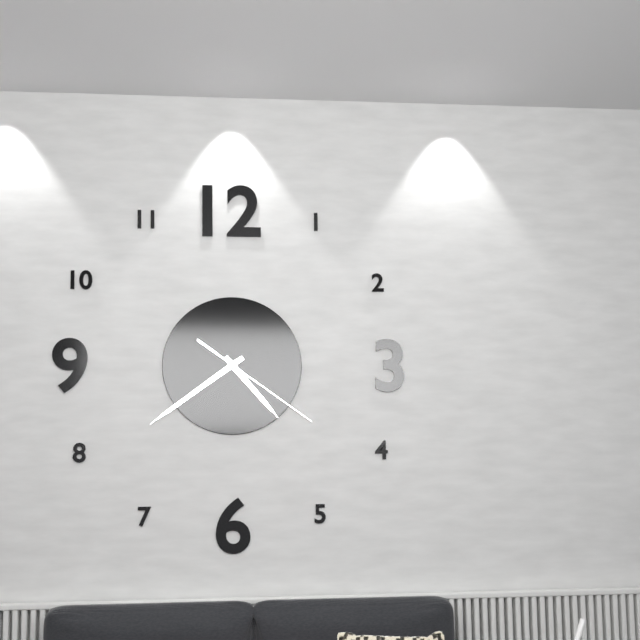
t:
4,39,21
